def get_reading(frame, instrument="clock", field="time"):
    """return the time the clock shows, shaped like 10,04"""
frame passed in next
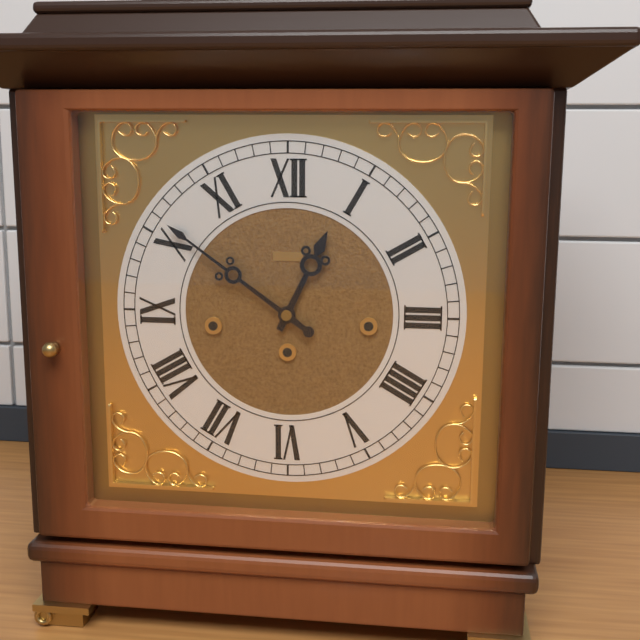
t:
12,51
